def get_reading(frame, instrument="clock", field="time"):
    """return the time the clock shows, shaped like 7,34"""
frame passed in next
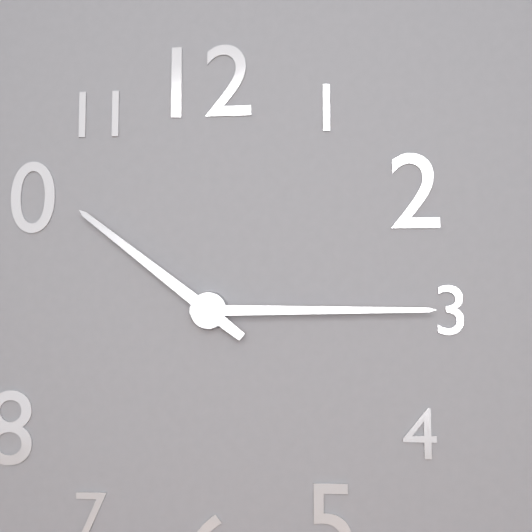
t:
10,15
